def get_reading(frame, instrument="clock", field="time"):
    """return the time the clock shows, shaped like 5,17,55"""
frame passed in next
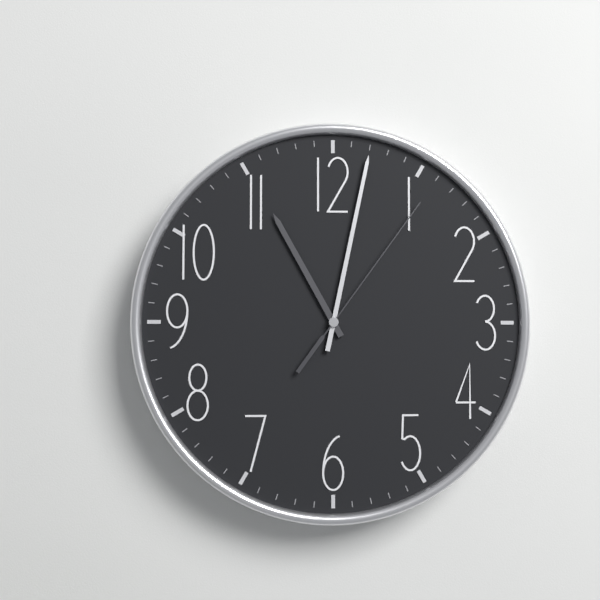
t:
11,02,06
